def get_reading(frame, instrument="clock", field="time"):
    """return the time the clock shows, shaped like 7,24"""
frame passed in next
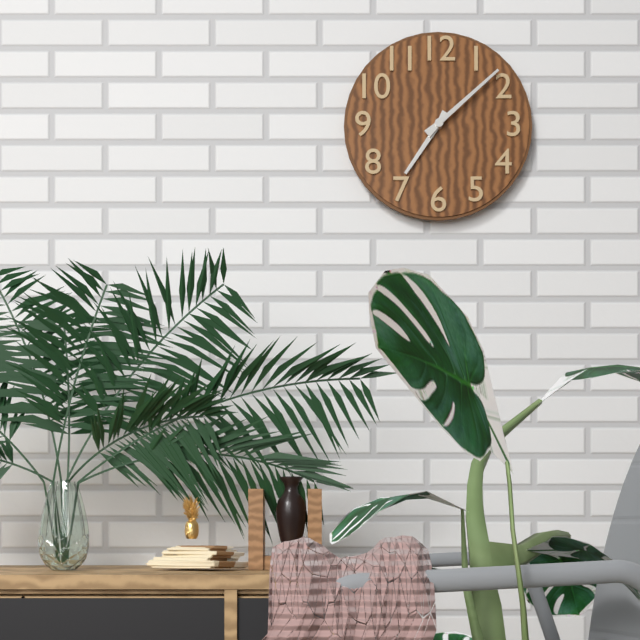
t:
7,08
